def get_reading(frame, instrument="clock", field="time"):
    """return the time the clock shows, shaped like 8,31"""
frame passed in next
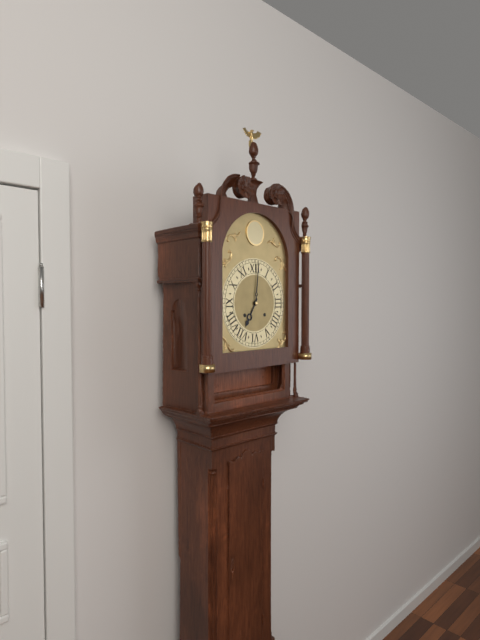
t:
7,01
